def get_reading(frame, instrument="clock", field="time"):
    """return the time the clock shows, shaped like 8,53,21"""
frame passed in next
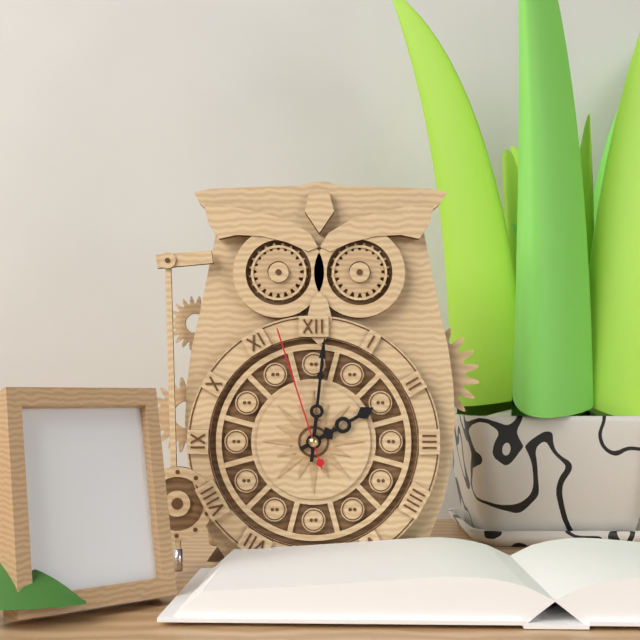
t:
2,01,57
